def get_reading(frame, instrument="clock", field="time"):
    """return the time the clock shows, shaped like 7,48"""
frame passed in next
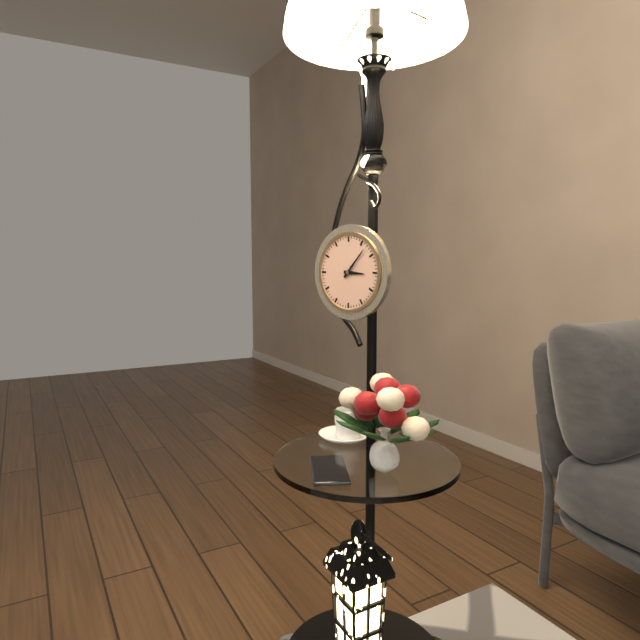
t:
3,07
